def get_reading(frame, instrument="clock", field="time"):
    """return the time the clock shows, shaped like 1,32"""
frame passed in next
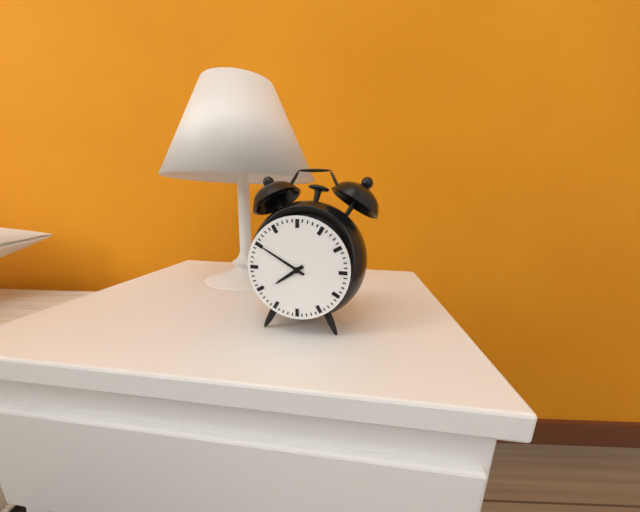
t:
7,50
